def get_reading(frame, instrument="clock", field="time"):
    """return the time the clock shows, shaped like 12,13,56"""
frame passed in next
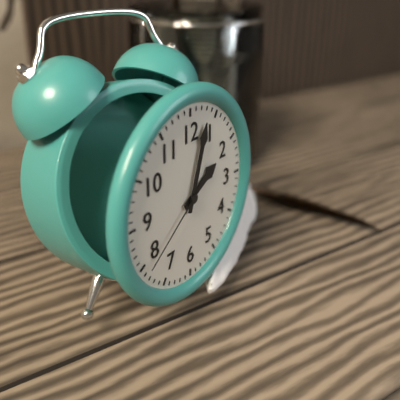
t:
2,03,39
